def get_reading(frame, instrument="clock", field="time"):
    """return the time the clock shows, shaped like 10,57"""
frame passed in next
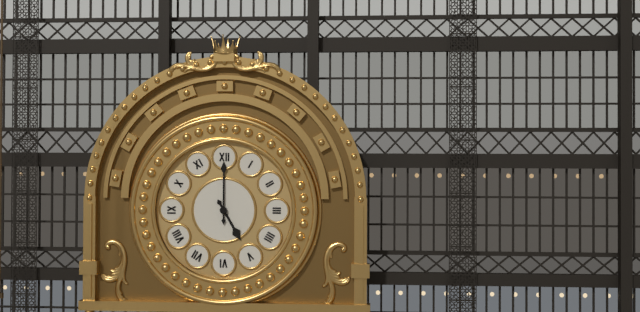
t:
5,00
